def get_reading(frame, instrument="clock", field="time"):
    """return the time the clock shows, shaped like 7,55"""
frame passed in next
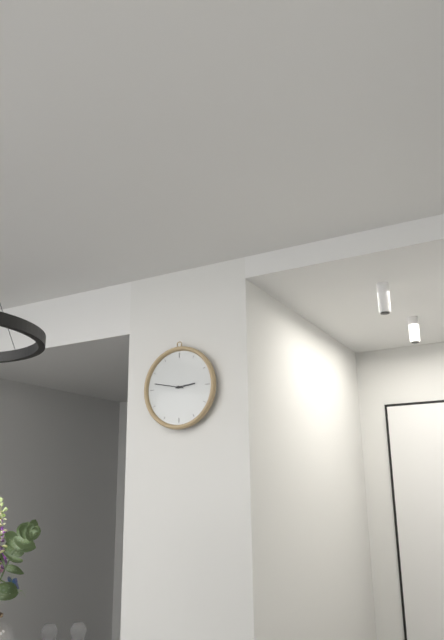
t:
2,47
